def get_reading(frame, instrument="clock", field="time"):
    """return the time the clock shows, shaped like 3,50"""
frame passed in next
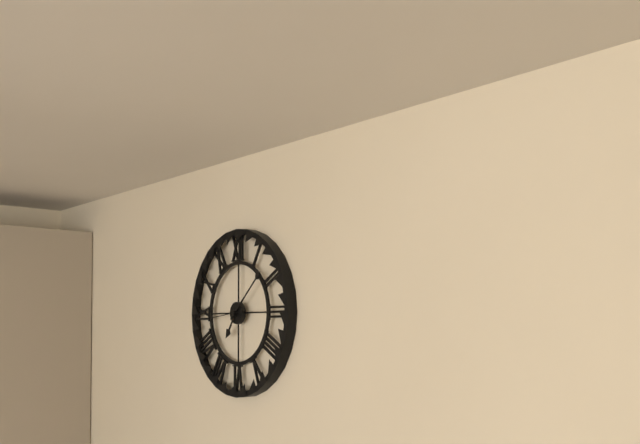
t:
7,08
